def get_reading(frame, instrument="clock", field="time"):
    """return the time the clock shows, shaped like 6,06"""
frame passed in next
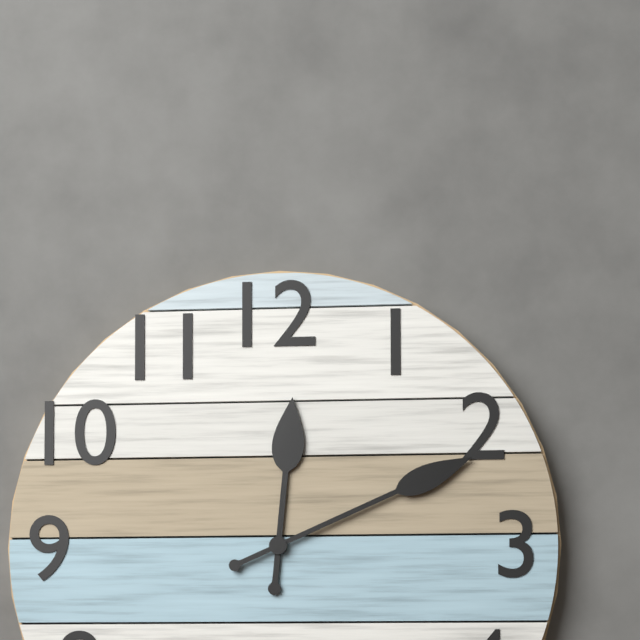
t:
12,11
